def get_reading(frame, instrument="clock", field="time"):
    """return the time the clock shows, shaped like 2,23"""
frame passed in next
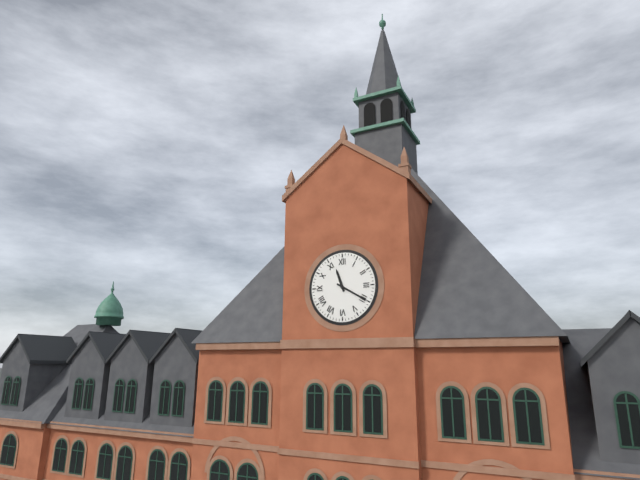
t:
11,20
